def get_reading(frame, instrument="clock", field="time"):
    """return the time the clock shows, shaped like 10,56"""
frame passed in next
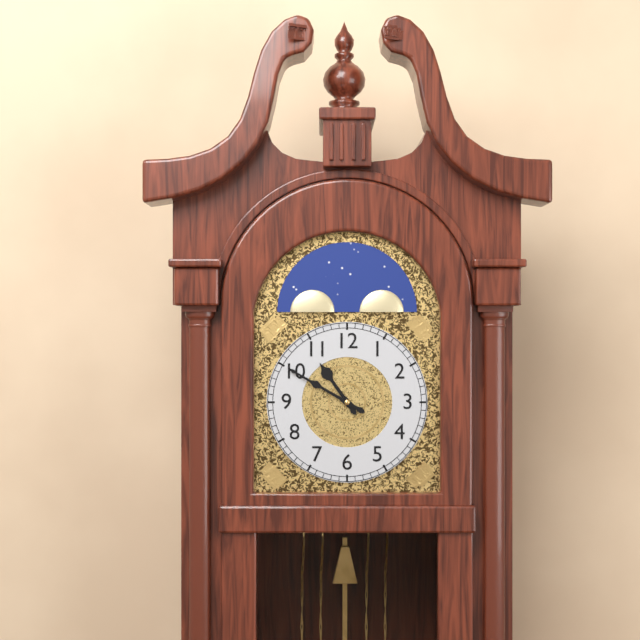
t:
10,50
